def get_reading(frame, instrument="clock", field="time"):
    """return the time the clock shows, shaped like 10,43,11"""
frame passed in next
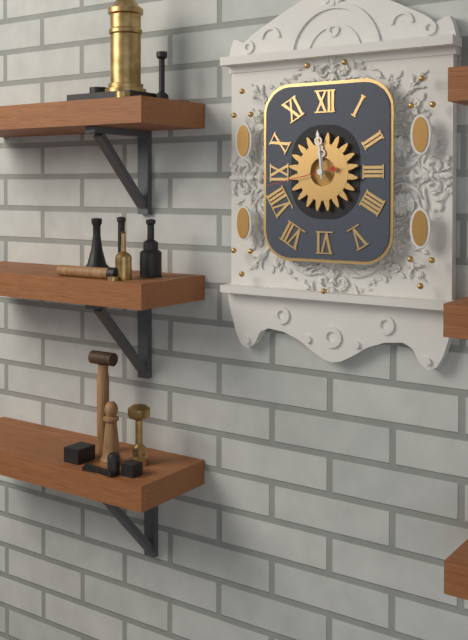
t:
11,59,43
